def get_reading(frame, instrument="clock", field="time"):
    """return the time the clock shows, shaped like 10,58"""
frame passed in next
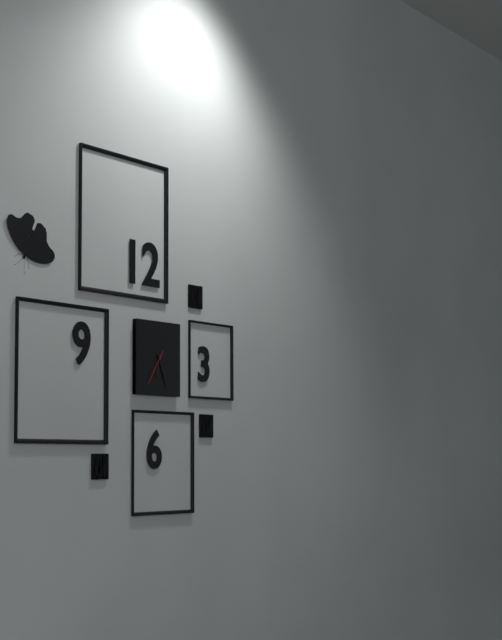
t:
6,26
